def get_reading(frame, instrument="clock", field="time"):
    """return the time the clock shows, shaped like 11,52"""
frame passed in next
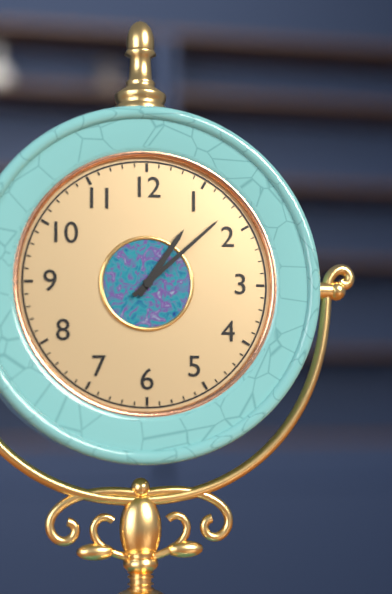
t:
1,08
